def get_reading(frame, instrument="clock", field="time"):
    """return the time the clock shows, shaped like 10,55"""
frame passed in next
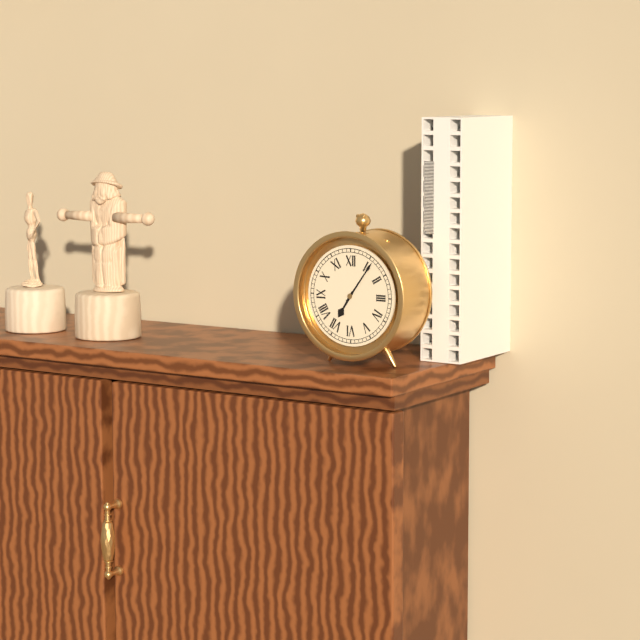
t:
7,06
